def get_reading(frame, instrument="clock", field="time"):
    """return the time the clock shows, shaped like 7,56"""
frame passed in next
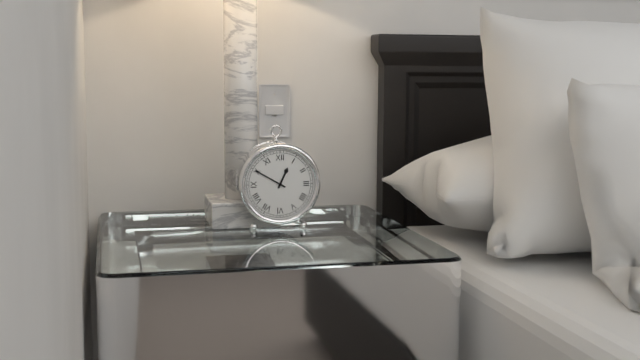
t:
12,50
